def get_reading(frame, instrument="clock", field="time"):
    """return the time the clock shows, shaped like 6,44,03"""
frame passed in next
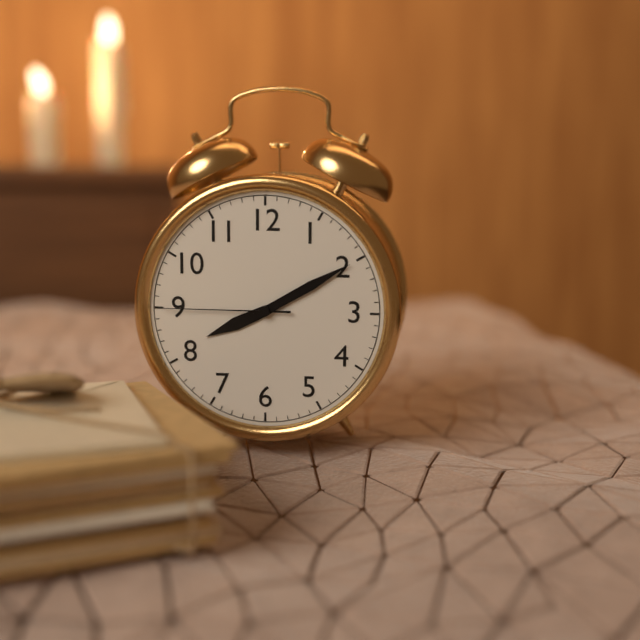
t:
8,10,45
